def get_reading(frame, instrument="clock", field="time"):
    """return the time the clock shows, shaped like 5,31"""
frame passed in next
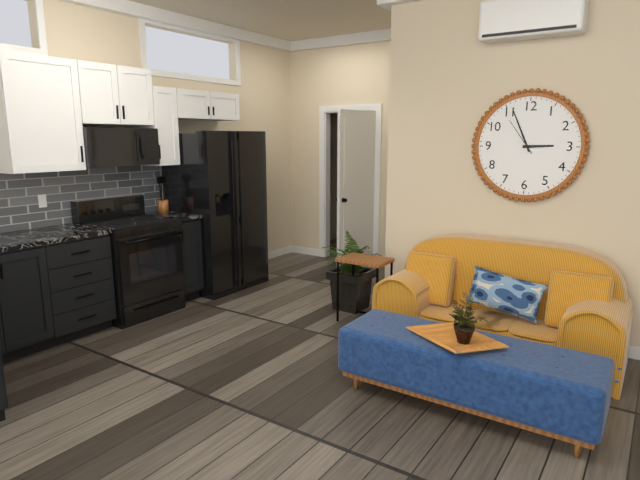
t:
2,56
